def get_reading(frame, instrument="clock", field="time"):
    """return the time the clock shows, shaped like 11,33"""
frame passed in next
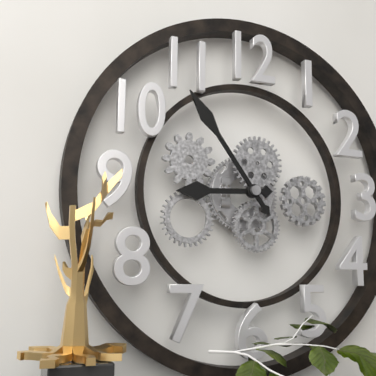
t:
8,54
